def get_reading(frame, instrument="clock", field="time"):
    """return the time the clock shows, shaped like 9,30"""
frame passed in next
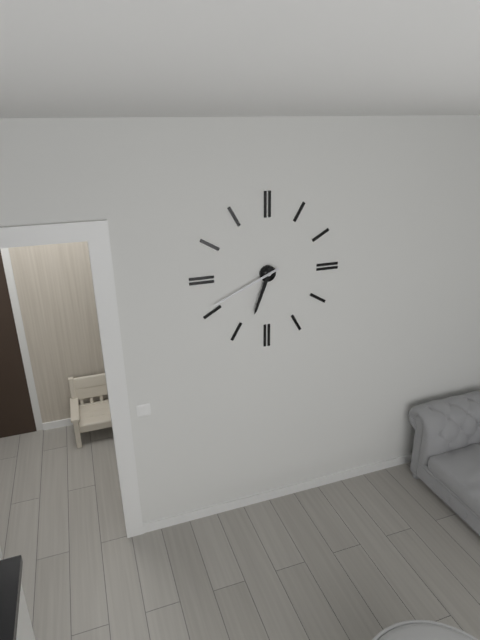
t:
6,41
